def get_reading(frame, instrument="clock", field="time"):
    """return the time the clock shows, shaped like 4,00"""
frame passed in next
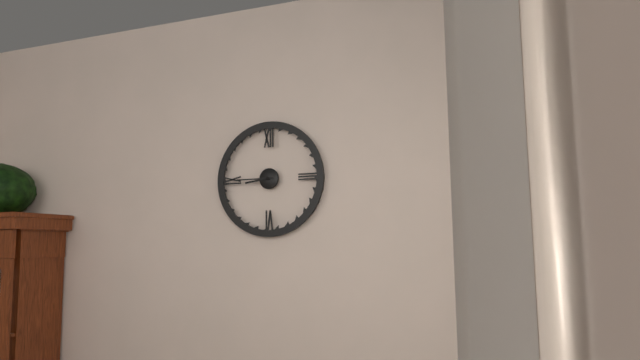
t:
8,45
